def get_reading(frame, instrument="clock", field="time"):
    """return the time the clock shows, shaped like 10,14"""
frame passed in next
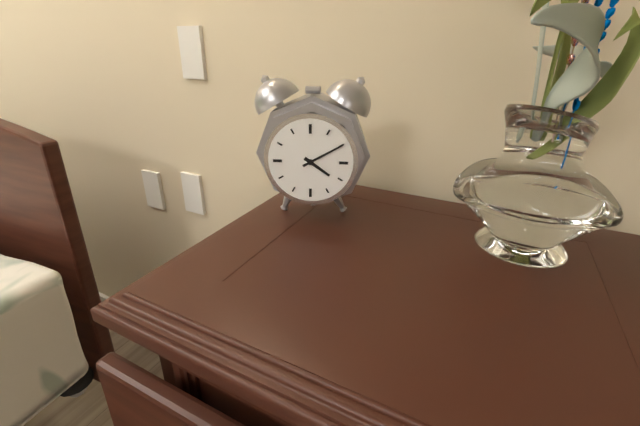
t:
4,10
